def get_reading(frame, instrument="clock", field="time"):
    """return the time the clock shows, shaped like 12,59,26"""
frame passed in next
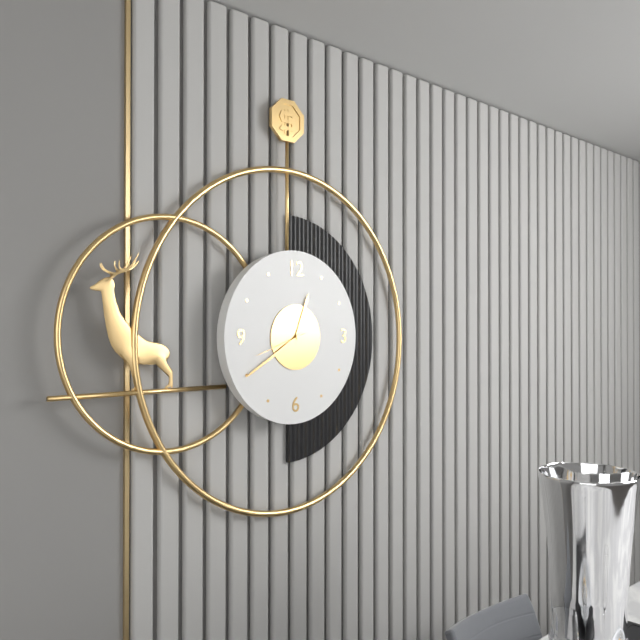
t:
12,40,42
